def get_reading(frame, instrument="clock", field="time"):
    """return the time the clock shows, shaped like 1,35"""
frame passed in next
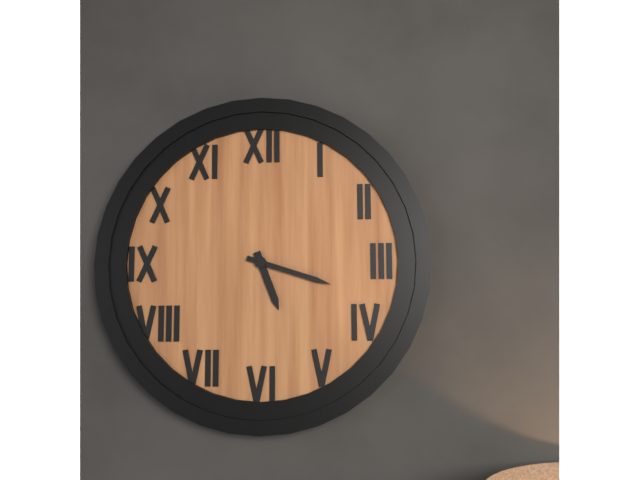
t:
5,18
